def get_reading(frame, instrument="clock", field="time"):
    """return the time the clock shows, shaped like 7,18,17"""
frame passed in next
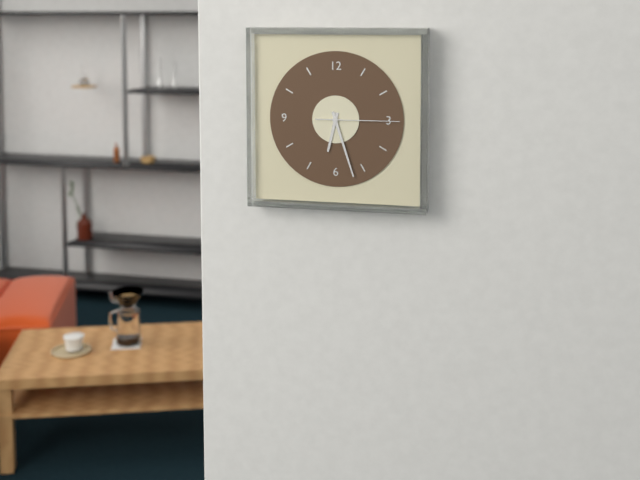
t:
6,27,15
